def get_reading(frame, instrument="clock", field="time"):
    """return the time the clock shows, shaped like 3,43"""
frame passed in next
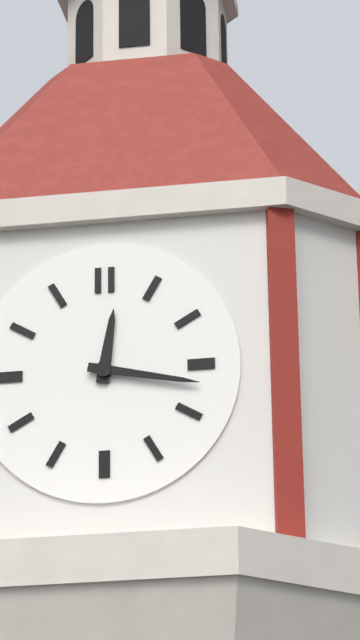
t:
12,17
